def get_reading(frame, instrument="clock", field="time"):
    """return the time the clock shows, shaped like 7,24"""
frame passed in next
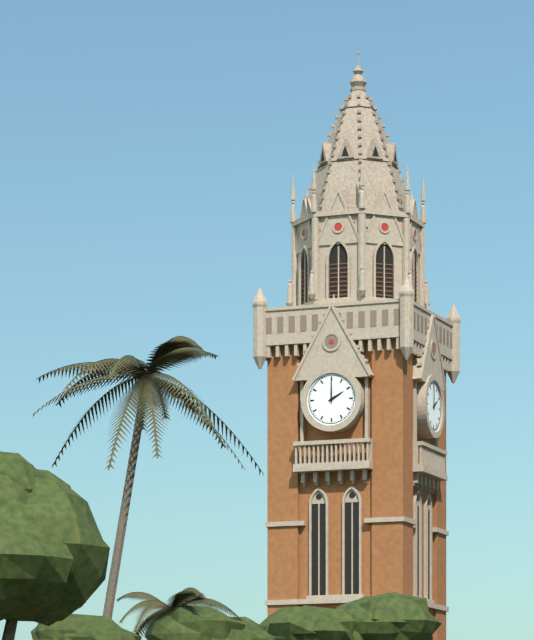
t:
2,00
